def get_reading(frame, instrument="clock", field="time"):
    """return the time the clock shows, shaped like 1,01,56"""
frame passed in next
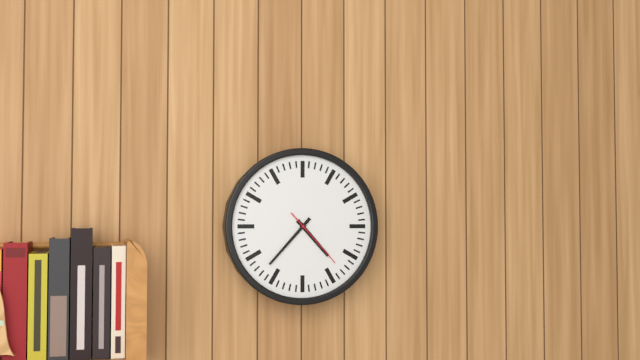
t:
4,37,23
